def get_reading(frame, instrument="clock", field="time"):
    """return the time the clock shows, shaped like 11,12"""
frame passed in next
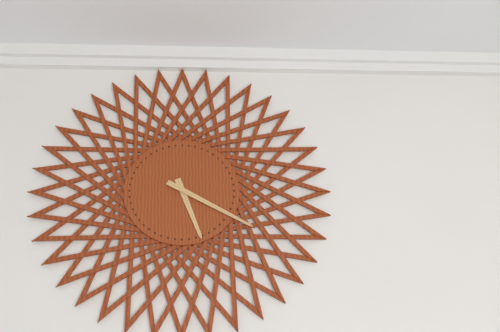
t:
5,20
